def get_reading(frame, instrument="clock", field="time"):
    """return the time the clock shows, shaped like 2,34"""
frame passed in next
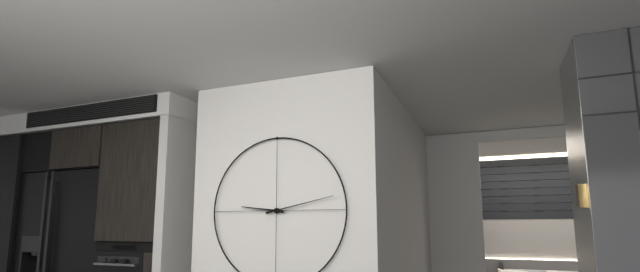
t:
9,13
